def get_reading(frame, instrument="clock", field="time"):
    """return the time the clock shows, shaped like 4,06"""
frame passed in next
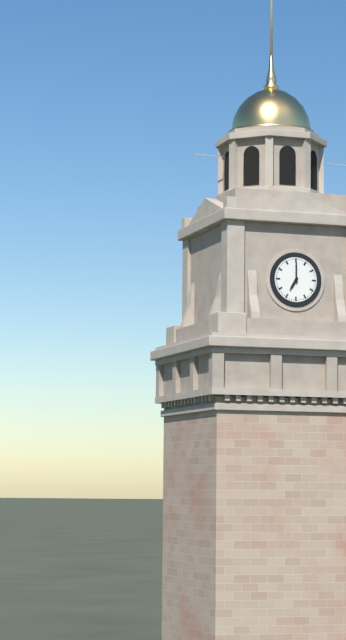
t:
7,00
